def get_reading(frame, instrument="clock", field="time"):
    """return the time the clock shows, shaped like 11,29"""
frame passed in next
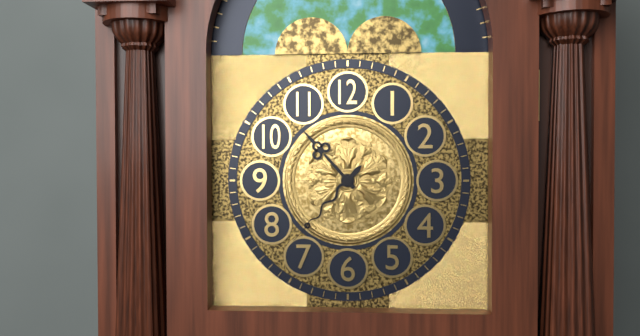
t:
10,37
